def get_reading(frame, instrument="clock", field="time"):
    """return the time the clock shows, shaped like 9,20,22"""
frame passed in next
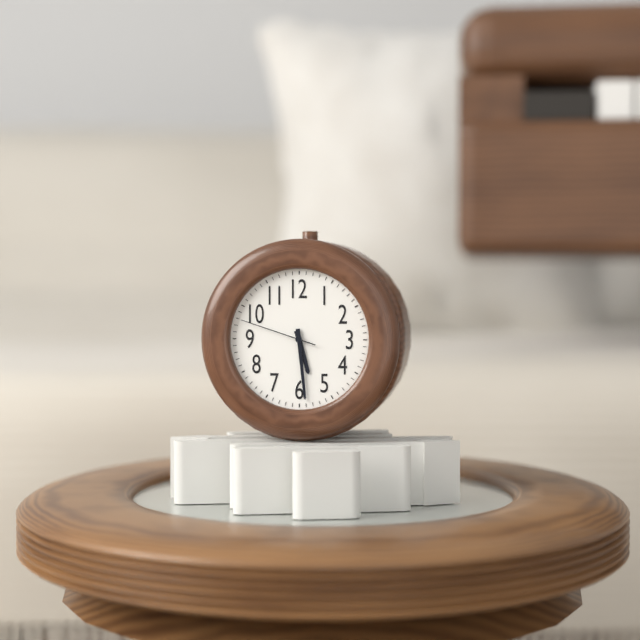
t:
5,29,48
